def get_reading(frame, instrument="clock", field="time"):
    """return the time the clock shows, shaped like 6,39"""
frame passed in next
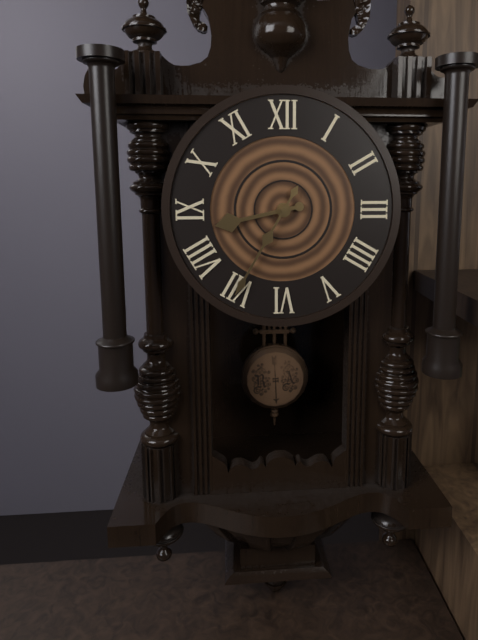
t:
8,35
